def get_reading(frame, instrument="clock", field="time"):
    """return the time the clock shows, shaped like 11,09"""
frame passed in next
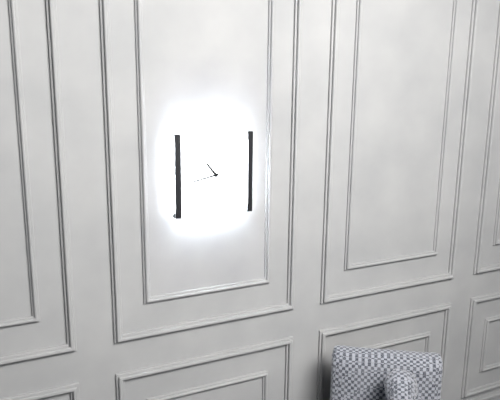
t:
10,43
